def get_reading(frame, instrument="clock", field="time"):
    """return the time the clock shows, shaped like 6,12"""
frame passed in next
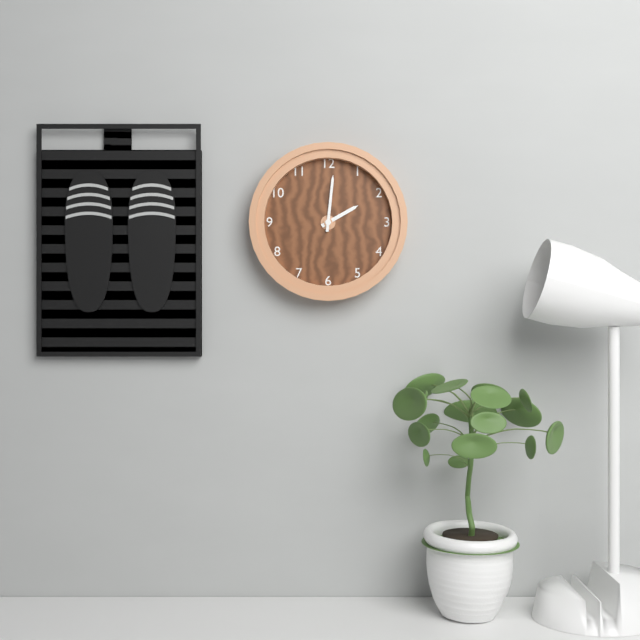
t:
2,01
